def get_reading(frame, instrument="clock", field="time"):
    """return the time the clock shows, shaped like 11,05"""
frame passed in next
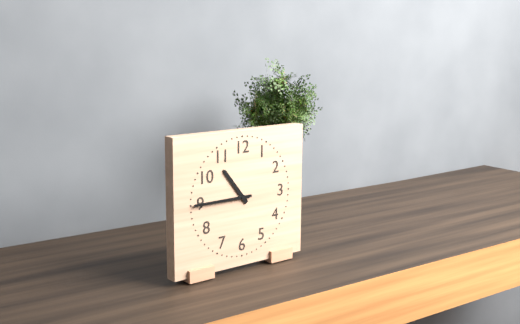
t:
10,45
